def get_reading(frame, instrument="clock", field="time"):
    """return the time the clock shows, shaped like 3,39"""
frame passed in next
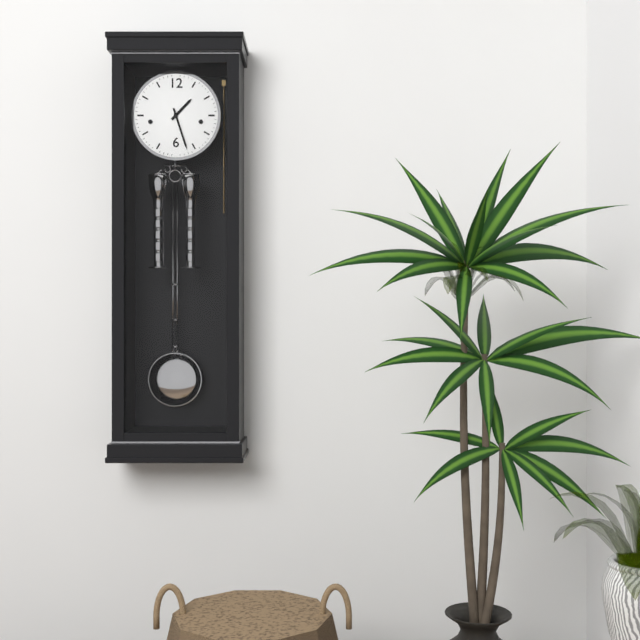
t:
1,27
